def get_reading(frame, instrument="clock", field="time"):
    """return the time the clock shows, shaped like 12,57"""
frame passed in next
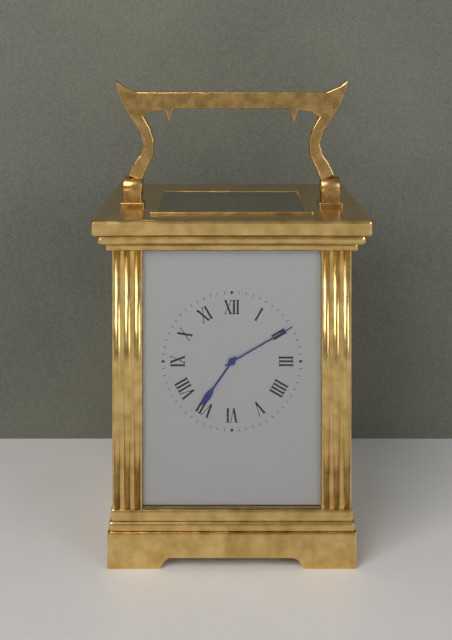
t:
7,10
